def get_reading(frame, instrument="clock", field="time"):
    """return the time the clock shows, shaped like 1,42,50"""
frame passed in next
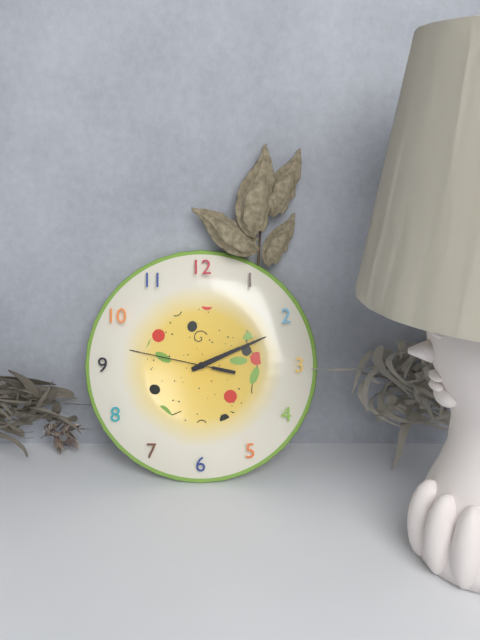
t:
2,11,47
